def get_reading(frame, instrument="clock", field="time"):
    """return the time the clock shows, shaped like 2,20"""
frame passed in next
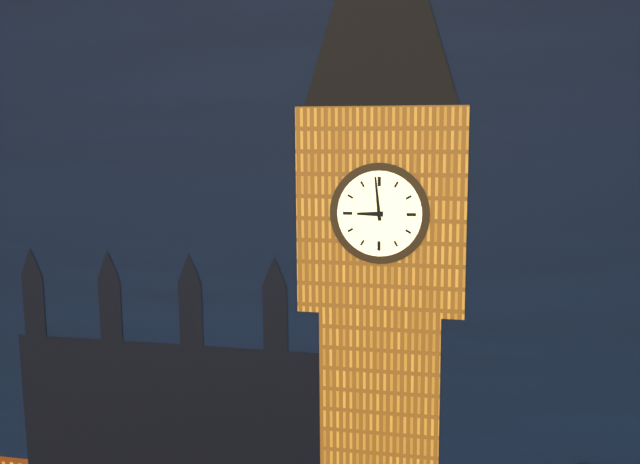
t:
8,59
